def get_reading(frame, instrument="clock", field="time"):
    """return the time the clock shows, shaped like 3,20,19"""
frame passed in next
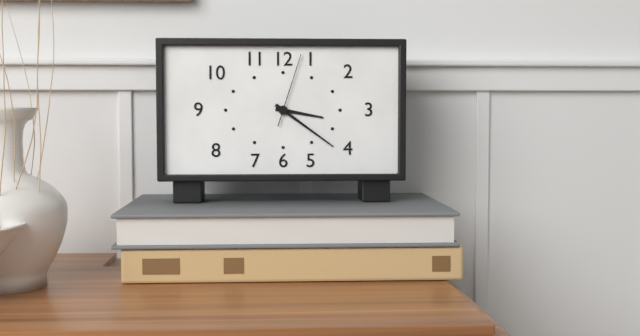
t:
3,21,03
